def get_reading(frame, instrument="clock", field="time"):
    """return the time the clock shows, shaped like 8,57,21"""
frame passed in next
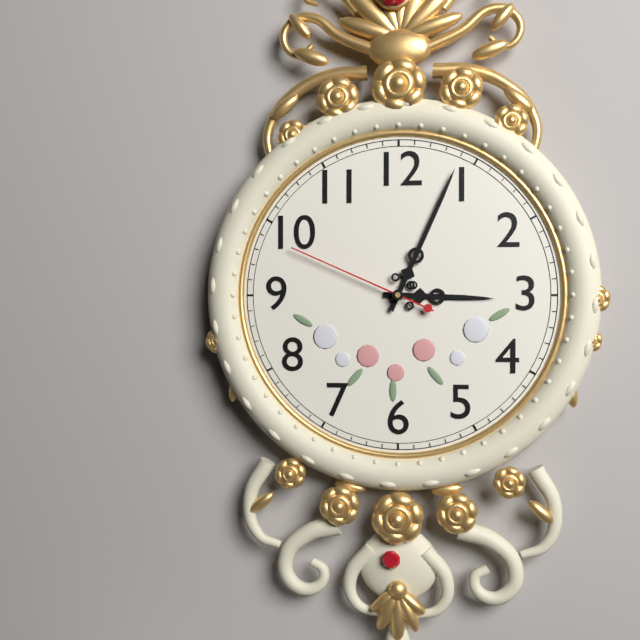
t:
3,04,49
